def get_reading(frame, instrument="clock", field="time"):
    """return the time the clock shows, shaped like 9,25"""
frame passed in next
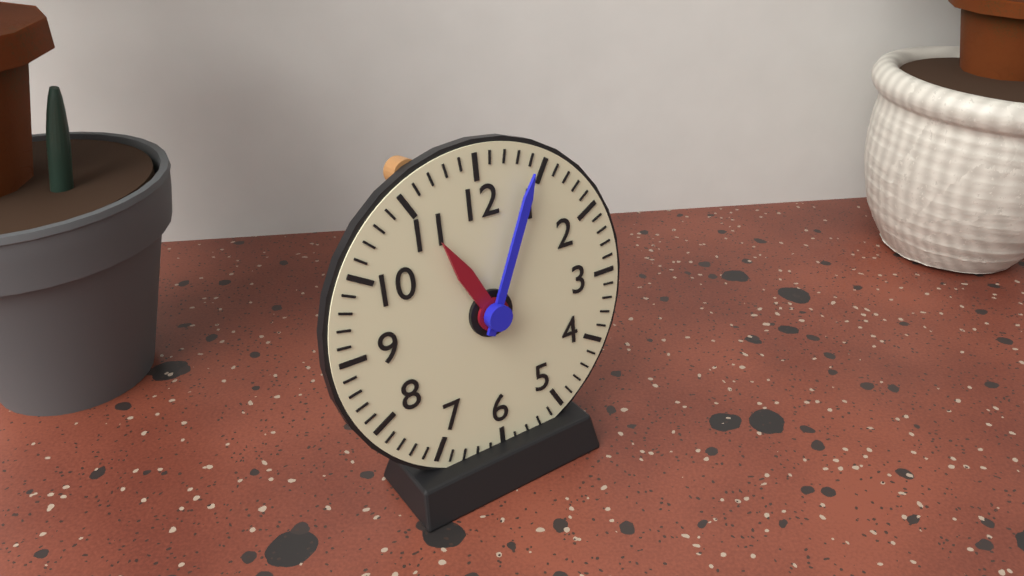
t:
11,04
